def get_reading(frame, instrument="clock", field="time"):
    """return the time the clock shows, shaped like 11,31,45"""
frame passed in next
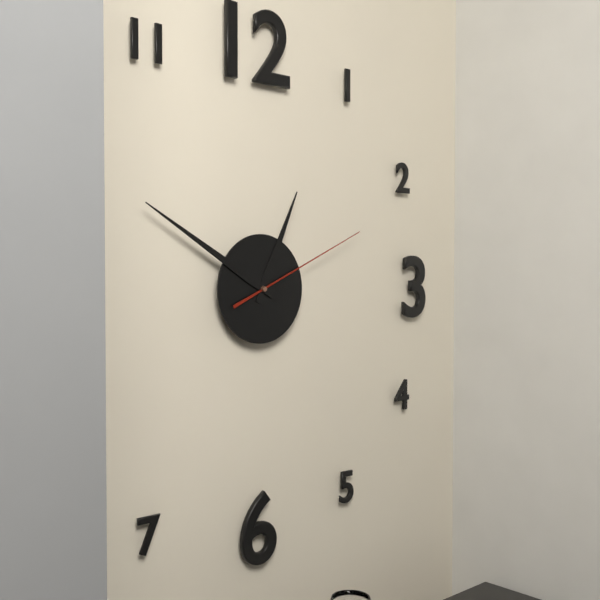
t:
12,50,11
